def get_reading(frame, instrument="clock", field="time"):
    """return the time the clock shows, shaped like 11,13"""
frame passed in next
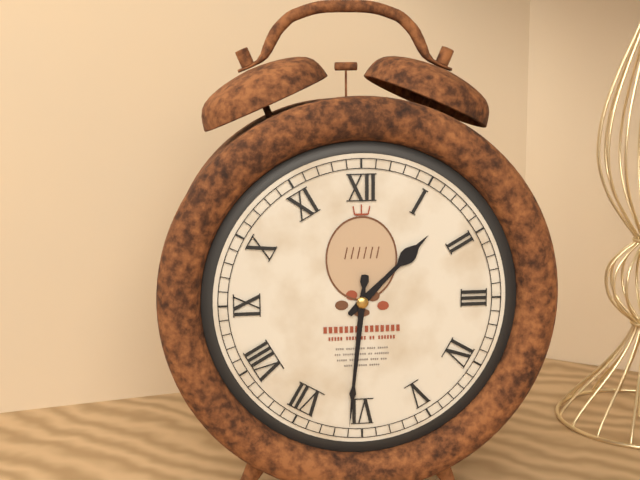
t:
1,31
